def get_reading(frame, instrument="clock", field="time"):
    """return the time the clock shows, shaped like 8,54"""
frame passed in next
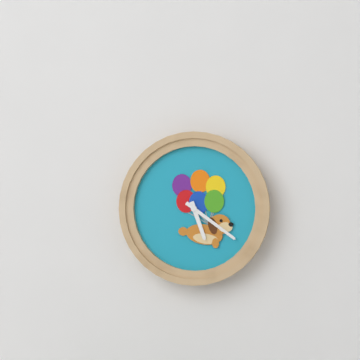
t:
5,21
